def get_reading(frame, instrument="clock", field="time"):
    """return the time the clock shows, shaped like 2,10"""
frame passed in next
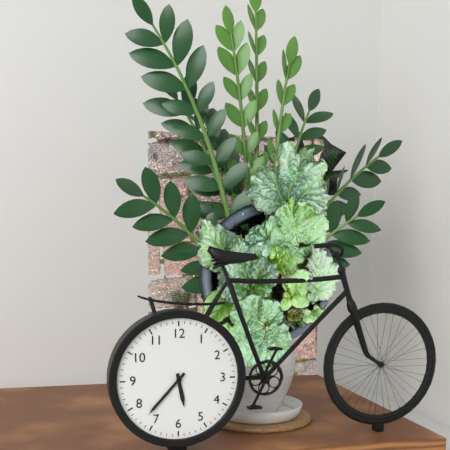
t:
5,37
